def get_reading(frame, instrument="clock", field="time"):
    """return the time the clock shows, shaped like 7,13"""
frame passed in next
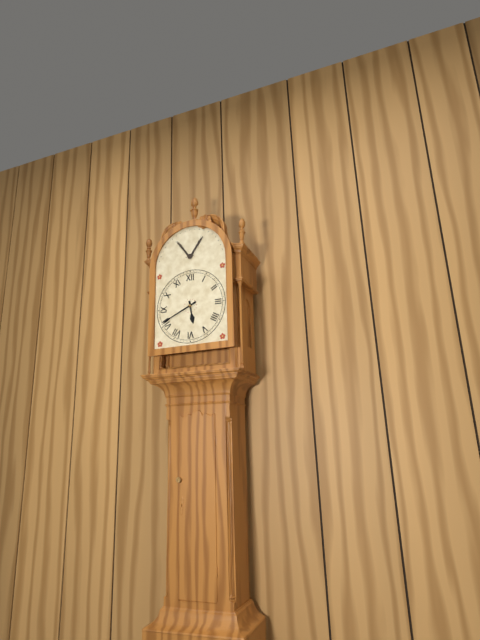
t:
5,41
